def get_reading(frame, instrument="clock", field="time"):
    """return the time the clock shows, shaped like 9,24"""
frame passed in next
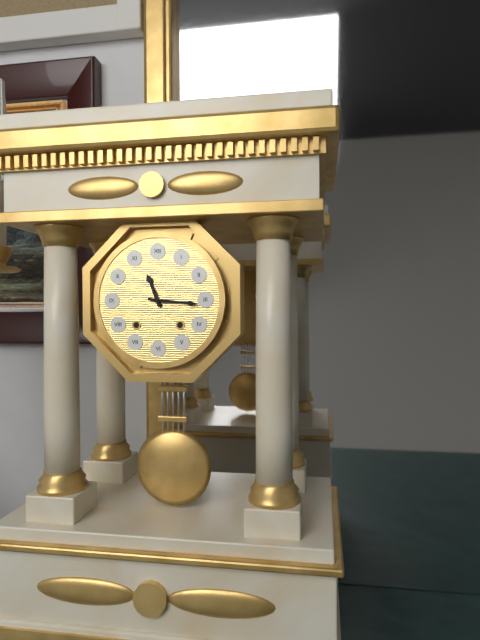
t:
11,16
